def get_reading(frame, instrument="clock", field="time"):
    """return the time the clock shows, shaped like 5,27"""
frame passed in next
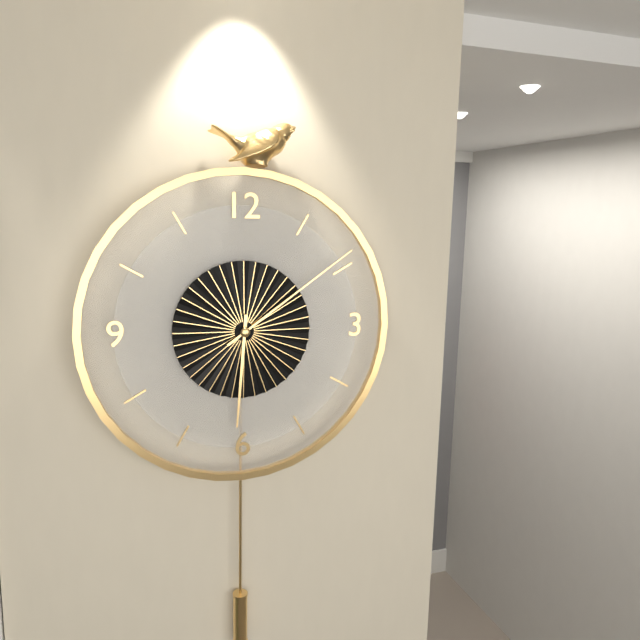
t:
6,09
